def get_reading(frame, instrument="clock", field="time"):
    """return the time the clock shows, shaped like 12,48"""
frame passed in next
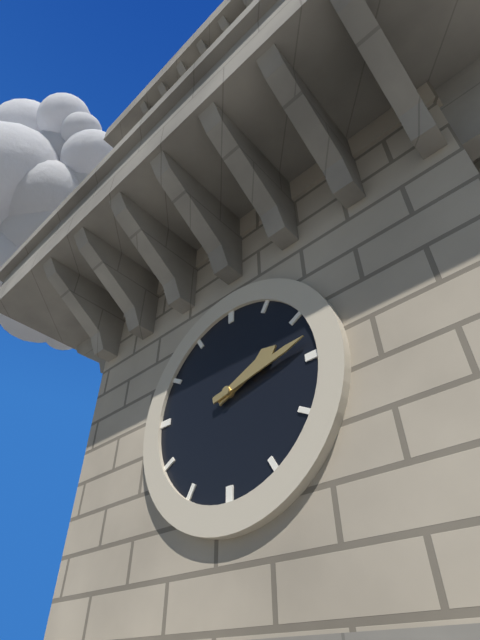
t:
2,13
